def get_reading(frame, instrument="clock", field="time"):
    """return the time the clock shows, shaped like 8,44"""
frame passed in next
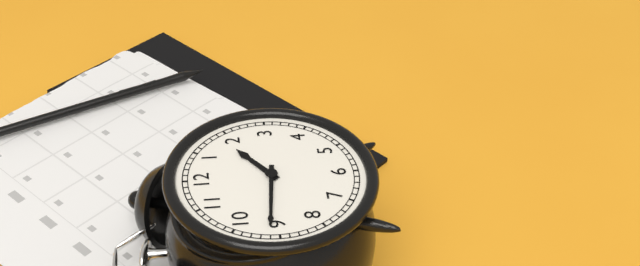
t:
1,46
